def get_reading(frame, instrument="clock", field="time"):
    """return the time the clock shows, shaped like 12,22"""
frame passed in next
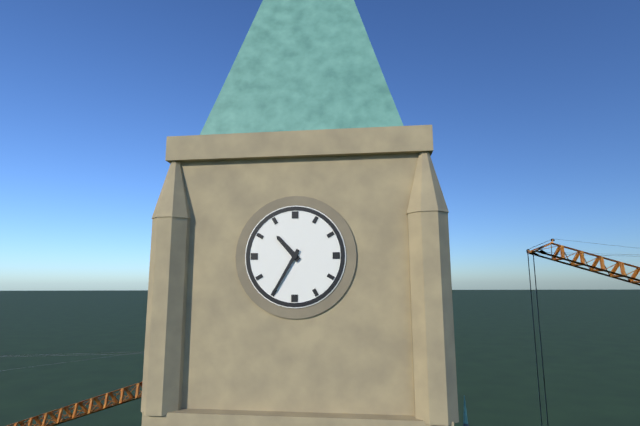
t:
10,35
